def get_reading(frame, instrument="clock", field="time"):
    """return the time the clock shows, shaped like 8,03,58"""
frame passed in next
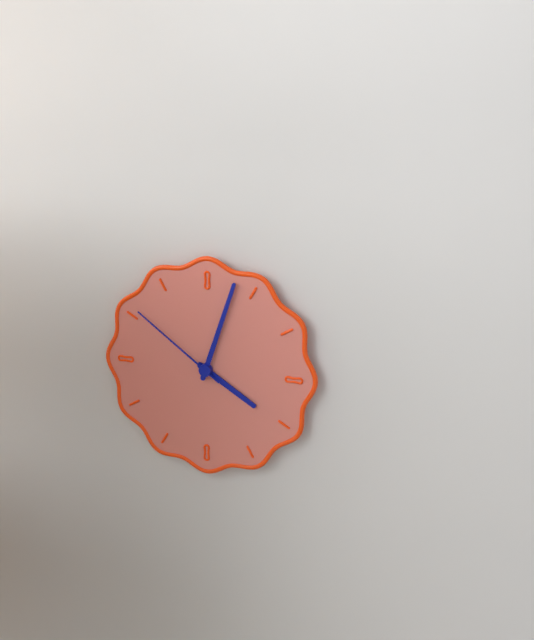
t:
4,03,51
